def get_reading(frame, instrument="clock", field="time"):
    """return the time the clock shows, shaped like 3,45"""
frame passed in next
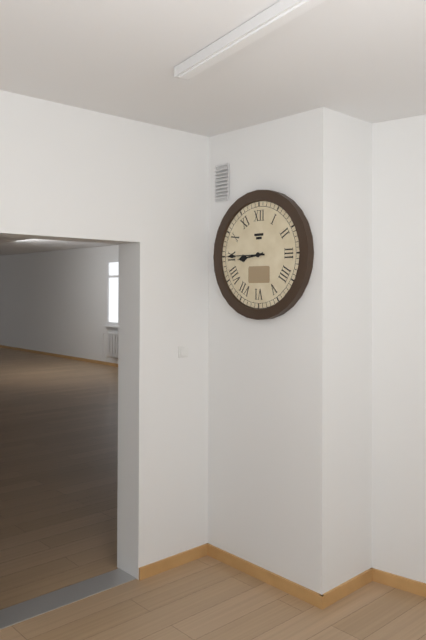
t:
8,45
